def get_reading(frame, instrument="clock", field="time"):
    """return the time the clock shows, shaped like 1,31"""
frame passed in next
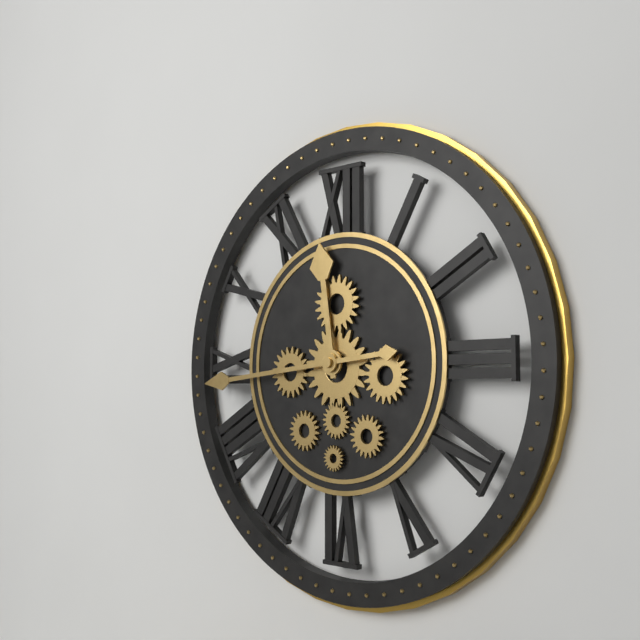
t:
11,44
